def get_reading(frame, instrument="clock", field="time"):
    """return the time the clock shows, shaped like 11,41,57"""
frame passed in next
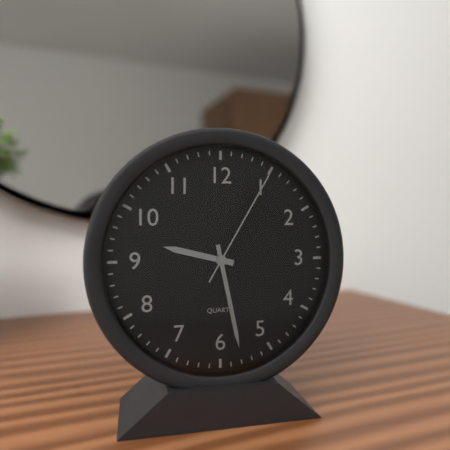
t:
9,28,05
